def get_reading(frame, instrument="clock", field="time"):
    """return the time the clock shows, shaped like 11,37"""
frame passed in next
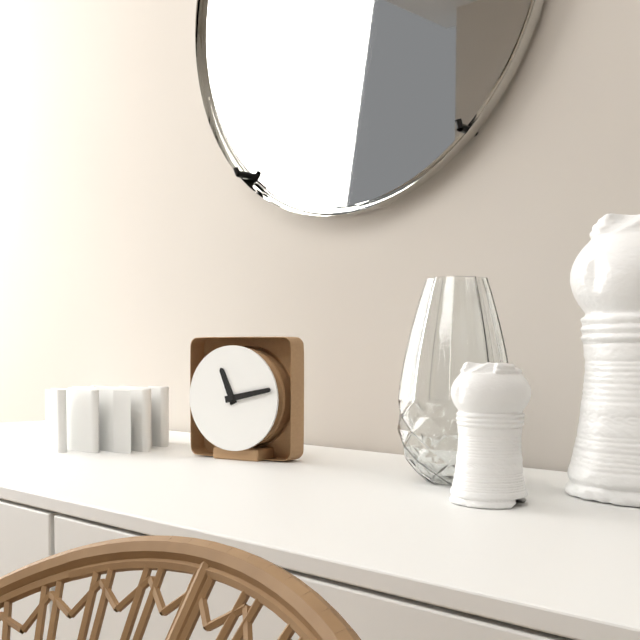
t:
11,13
